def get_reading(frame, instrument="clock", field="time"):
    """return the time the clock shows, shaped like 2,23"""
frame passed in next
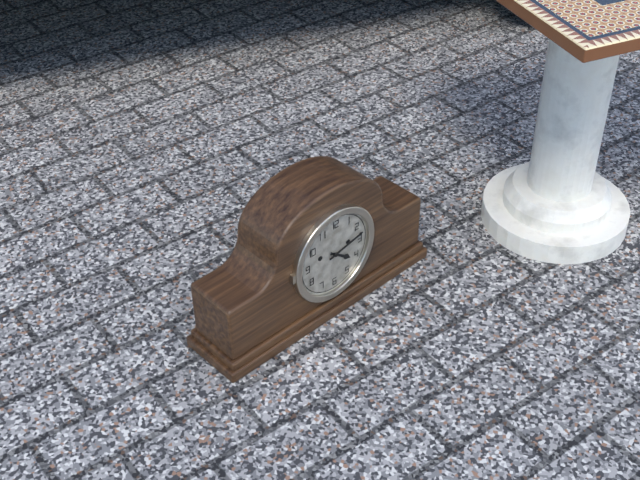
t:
4,13
